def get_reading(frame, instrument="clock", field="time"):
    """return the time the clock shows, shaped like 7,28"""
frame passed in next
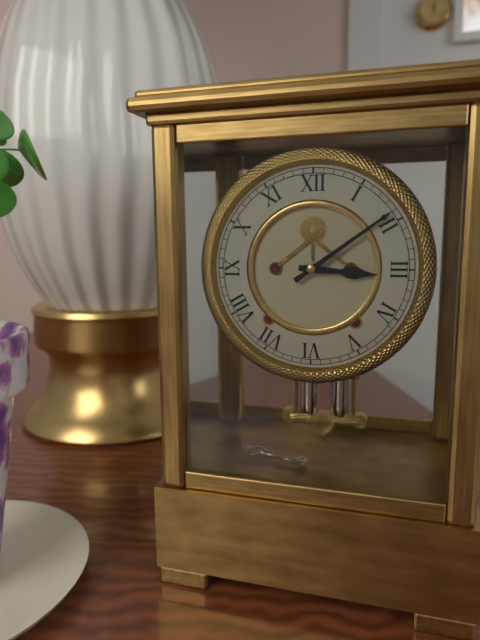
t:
3,09
